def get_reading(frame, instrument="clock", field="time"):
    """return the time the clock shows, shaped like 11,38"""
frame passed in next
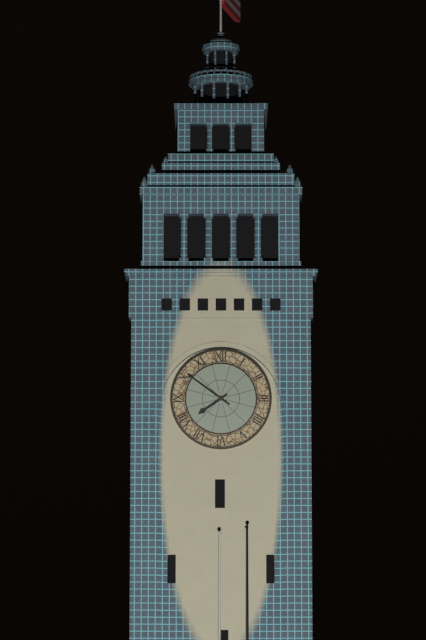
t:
7,51
